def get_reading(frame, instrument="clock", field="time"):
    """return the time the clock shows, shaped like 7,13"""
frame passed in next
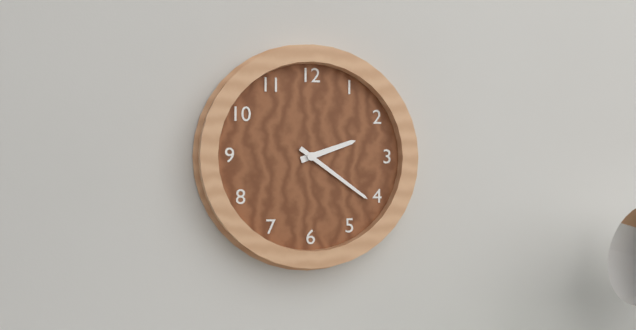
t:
2,21
